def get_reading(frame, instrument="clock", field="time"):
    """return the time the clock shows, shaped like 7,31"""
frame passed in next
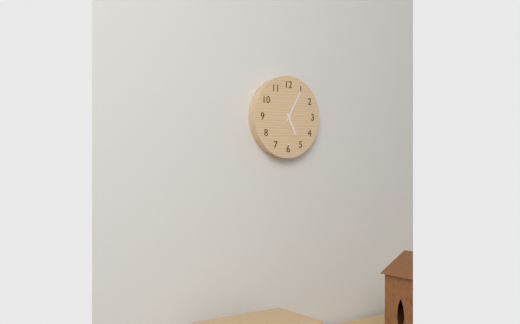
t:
5,05
